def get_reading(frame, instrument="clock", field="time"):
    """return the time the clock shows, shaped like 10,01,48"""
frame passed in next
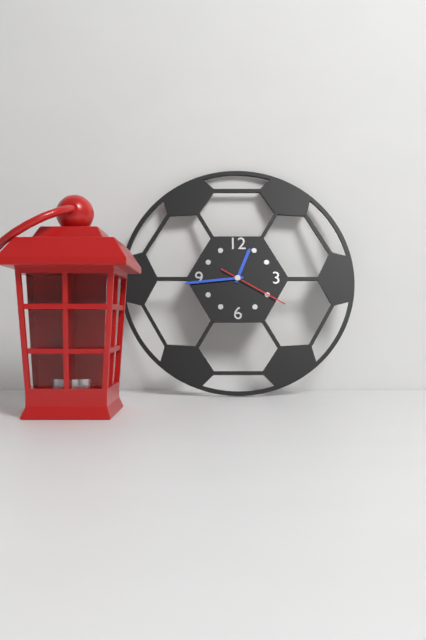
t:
12,44,20
